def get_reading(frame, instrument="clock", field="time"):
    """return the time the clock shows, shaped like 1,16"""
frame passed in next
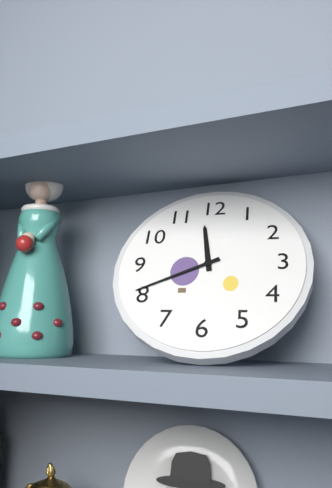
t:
11,41
